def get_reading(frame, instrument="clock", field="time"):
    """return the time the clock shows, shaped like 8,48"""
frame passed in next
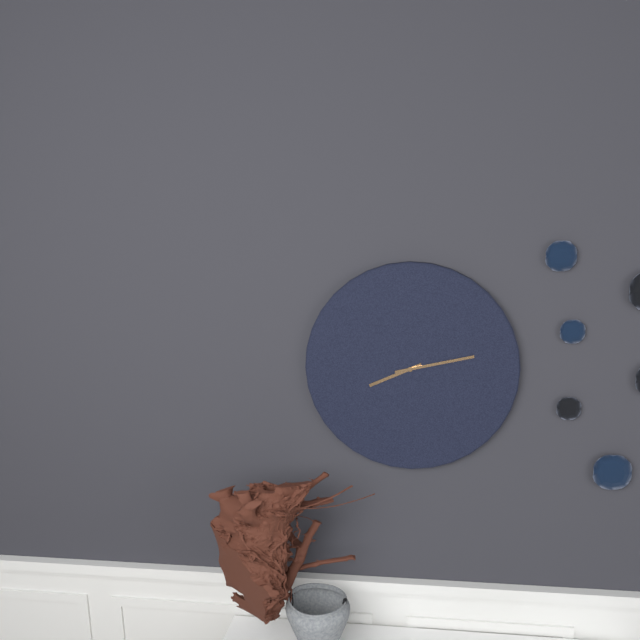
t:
8,13
